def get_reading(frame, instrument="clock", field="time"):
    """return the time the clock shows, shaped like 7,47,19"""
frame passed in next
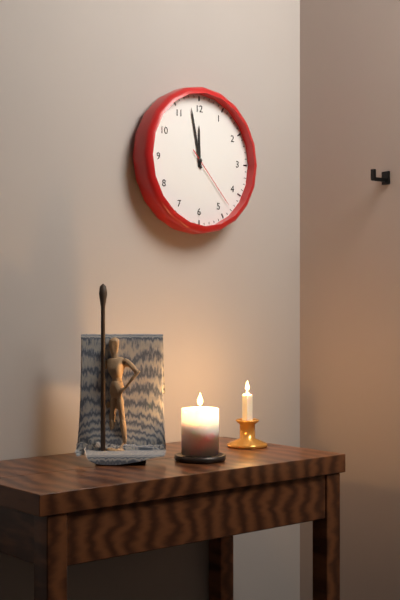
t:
11,58,23
